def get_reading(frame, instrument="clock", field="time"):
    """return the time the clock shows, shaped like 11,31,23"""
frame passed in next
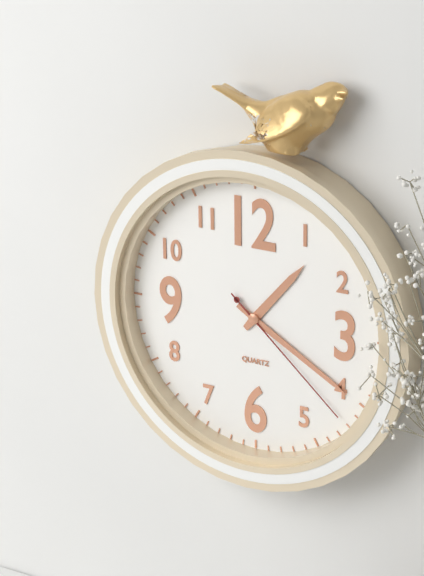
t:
1,20,22
